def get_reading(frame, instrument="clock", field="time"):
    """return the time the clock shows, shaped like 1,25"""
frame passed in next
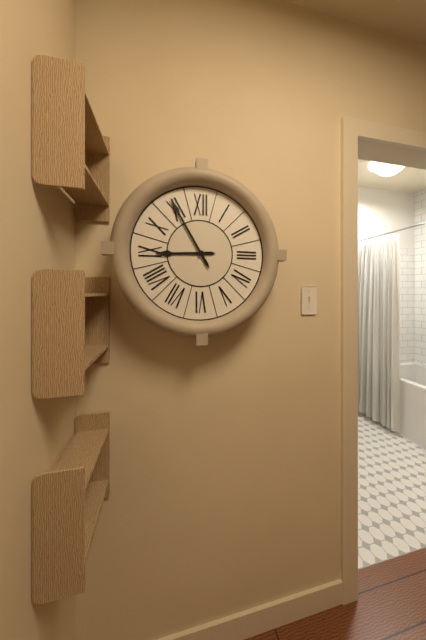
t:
8,55
